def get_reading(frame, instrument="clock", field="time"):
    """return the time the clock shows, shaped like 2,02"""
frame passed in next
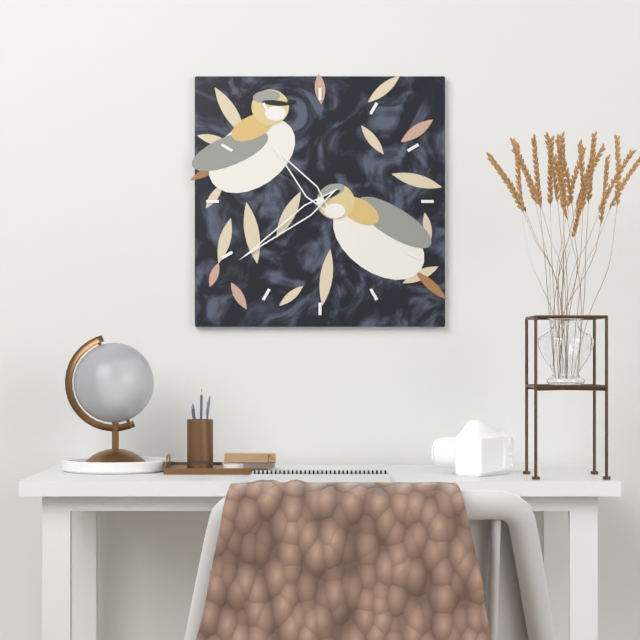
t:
10,39
